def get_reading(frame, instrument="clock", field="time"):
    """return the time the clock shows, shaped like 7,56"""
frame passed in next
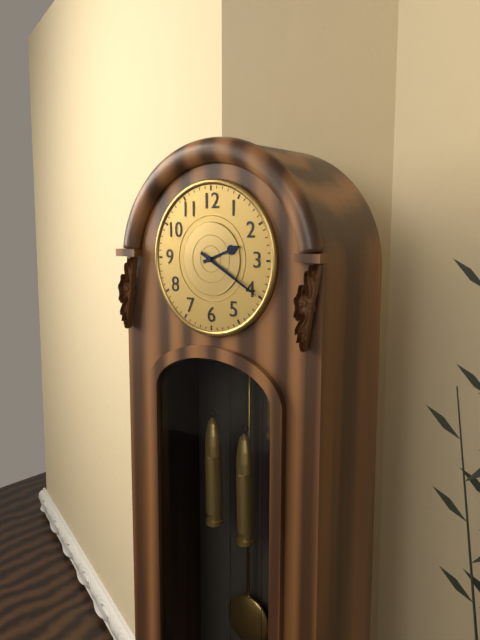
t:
2,20
